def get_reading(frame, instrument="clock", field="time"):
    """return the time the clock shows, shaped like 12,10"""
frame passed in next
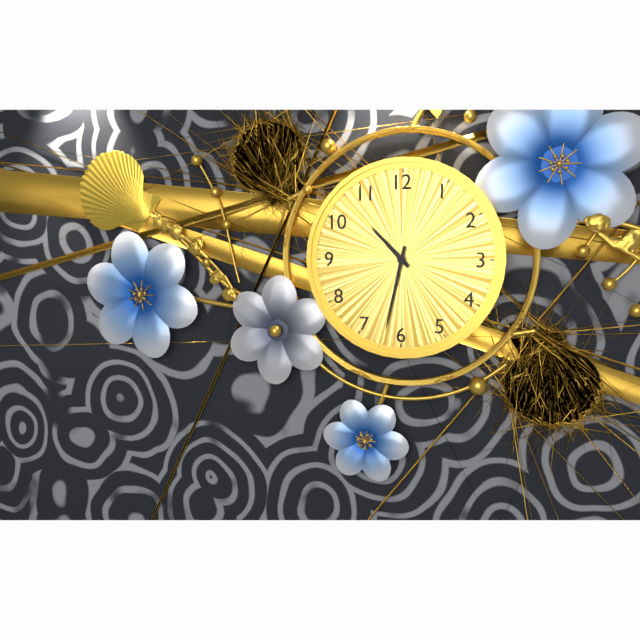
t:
10,32
